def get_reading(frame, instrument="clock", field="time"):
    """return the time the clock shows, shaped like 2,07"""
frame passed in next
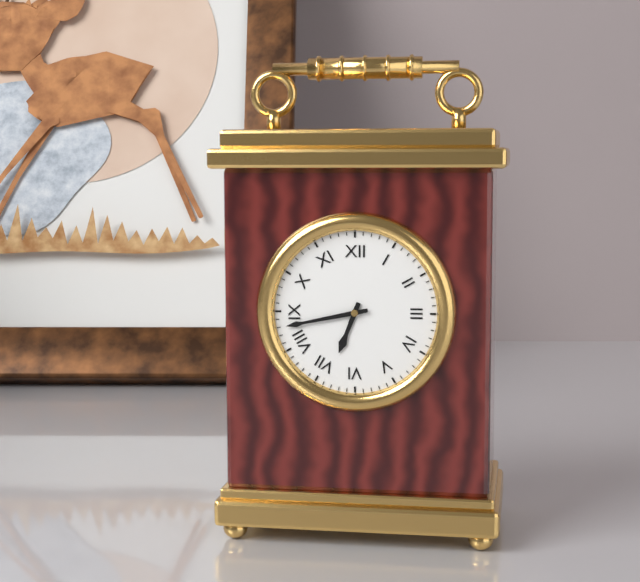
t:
6,43
